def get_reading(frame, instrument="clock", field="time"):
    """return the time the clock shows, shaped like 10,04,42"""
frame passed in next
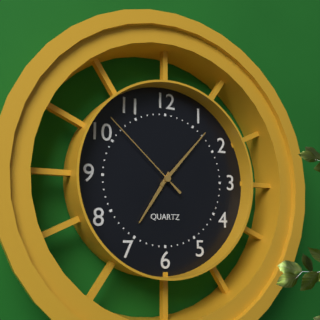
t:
7,07,52
